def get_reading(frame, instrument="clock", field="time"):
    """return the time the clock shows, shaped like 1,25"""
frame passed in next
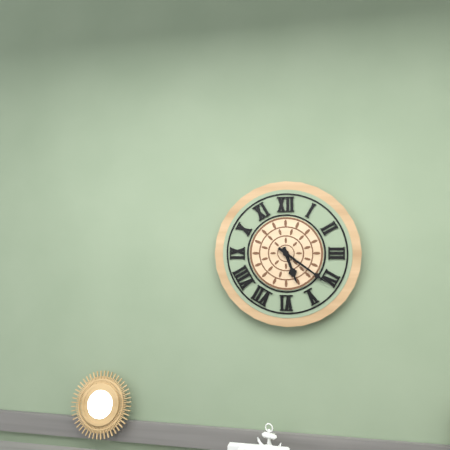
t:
5,21
